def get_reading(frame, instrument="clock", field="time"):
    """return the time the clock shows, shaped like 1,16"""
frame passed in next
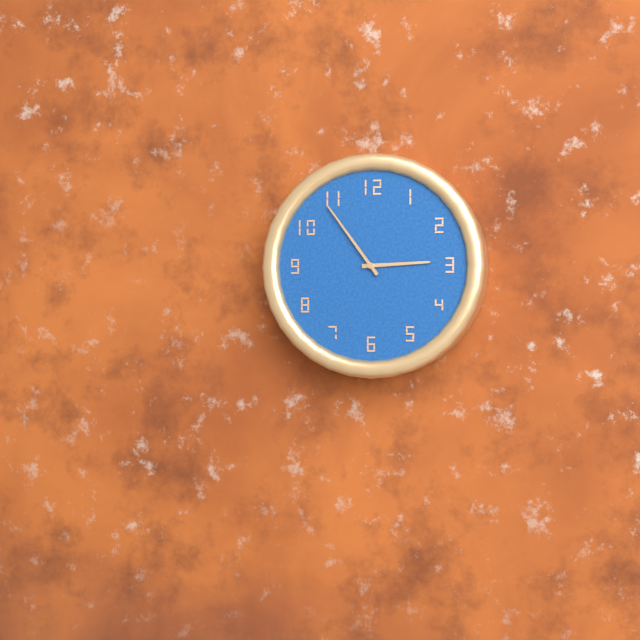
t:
2,54
